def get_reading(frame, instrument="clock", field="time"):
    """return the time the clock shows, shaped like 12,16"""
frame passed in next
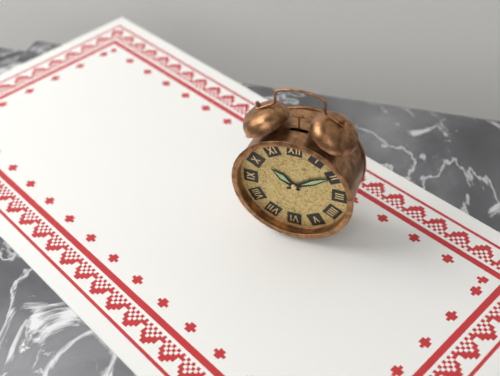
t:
10,10
